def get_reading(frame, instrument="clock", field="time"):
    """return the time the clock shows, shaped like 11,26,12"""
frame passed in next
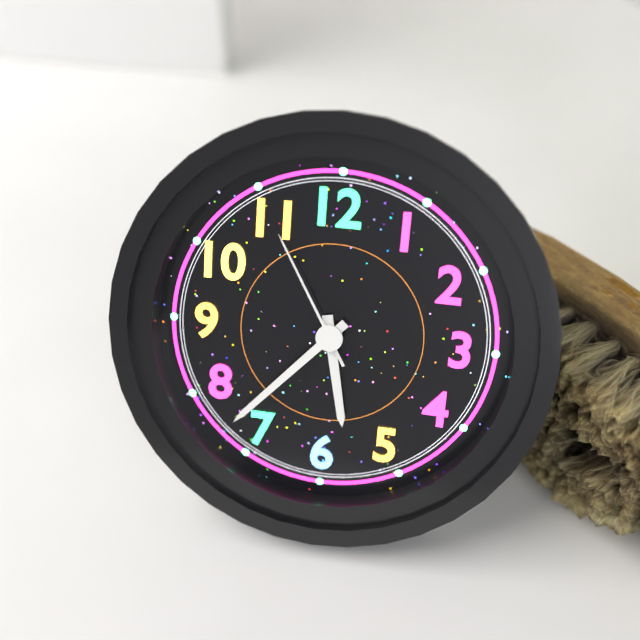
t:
5,37,55
